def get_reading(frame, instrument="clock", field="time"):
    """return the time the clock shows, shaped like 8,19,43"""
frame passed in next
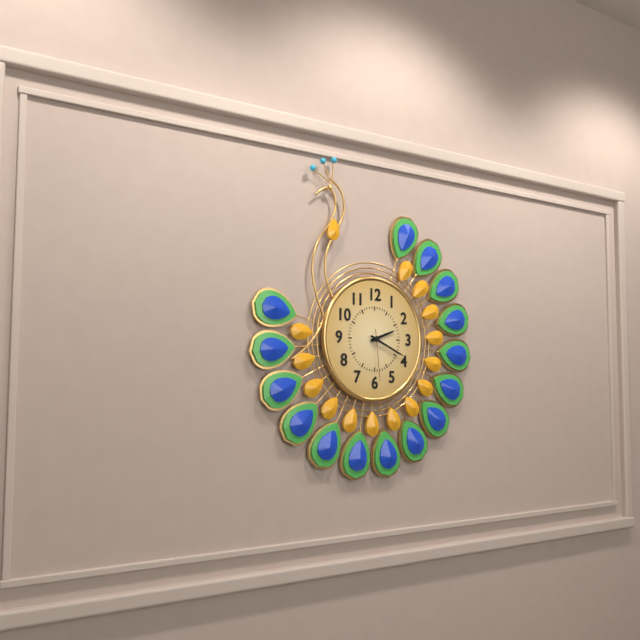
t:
2,19,29
